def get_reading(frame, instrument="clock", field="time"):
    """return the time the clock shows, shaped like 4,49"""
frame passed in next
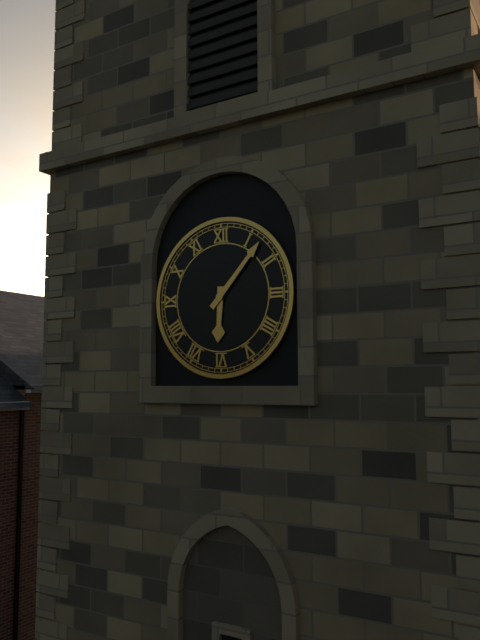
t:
6,07
